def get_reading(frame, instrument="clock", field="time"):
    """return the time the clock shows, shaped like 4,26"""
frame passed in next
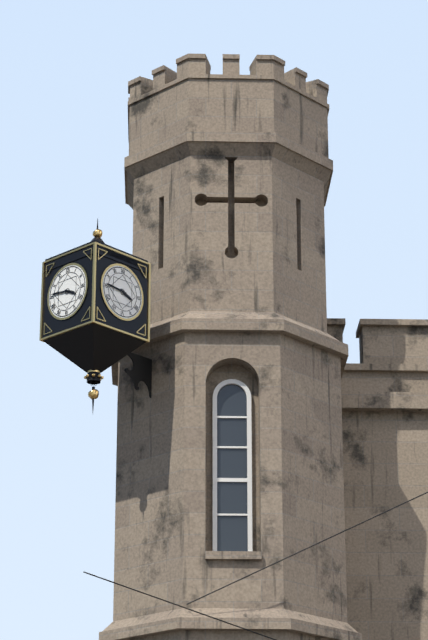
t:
3,46
